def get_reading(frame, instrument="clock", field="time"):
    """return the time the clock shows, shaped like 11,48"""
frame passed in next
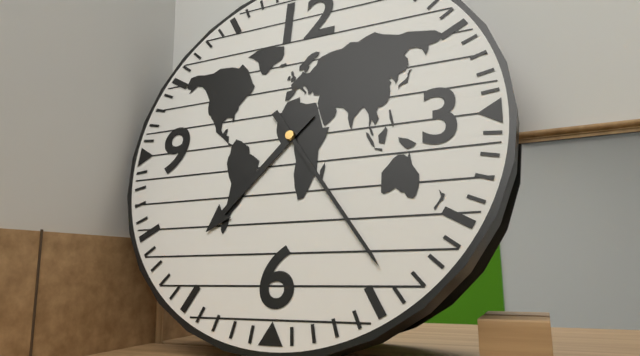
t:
7,24
